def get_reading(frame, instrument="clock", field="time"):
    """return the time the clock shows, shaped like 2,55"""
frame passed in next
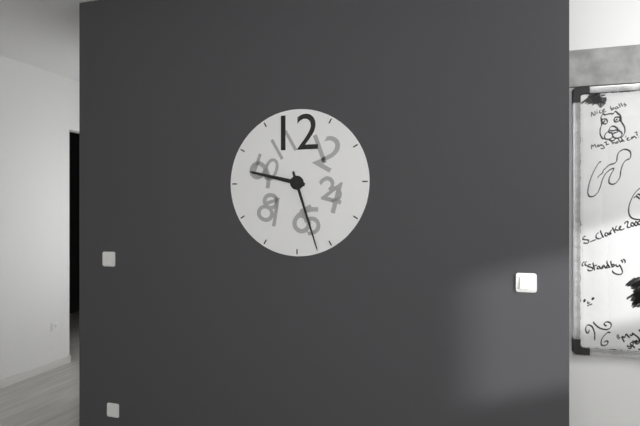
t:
9,27
